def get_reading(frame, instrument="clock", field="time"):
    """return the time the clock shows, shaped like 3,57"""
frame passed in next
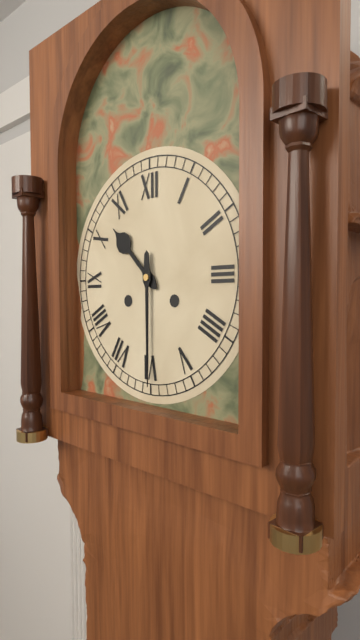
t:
10,30
